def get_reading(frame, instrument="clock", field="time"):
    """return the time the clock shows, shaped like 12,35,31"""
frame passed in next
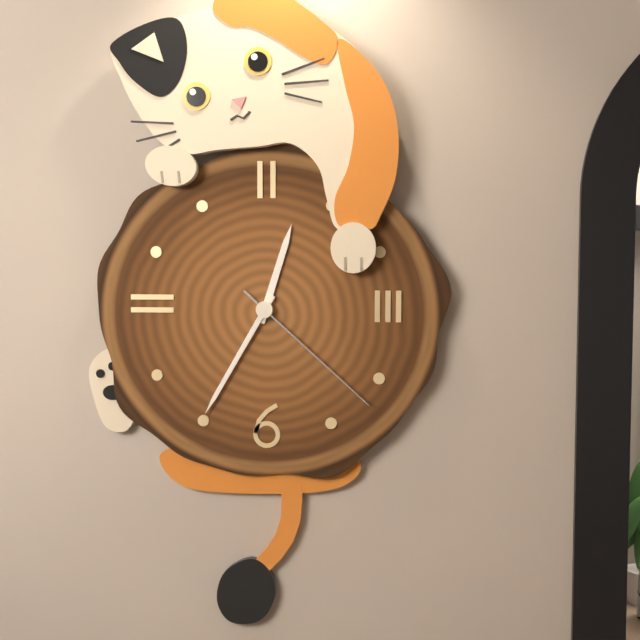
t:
12,35,22
